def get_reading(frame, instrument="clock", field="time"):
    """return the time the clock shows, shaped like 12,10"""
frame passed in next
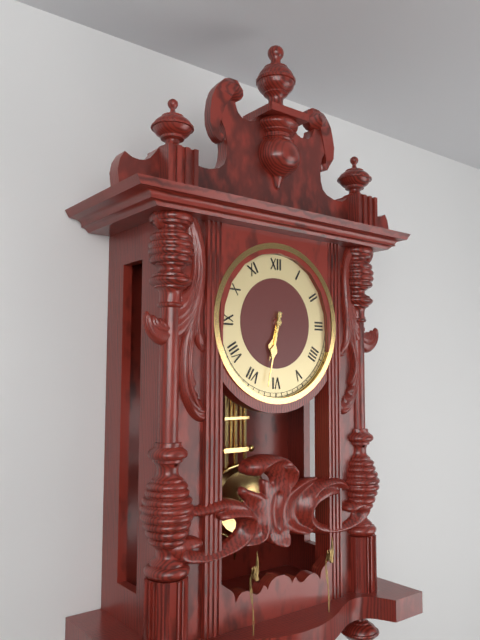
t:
6,32
